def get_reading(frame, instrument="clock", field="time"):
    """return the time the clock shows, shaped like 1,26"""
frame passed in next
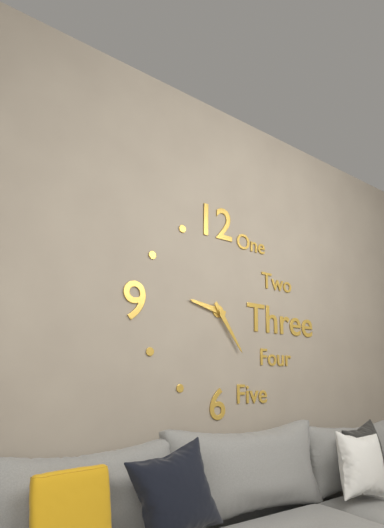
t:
9,24
